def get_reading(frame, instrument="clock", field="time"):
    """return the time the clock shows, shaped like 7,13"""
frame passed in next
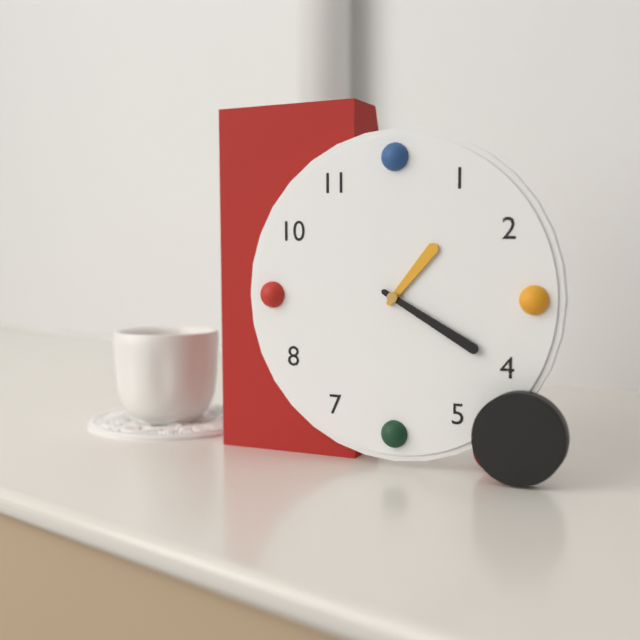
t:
1,20
